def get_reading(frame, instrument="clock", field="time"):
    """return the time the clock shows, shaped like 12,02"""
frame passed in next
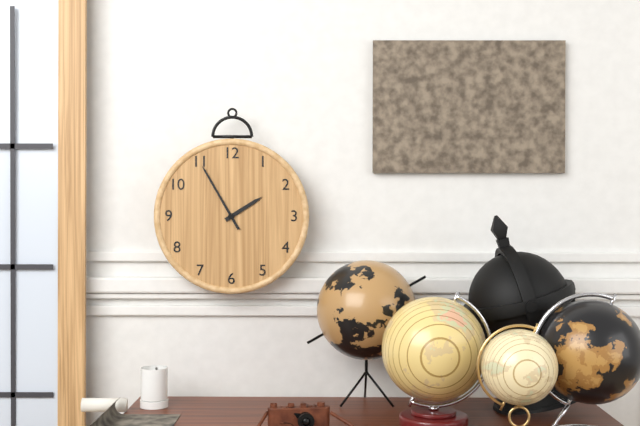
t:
1,55
